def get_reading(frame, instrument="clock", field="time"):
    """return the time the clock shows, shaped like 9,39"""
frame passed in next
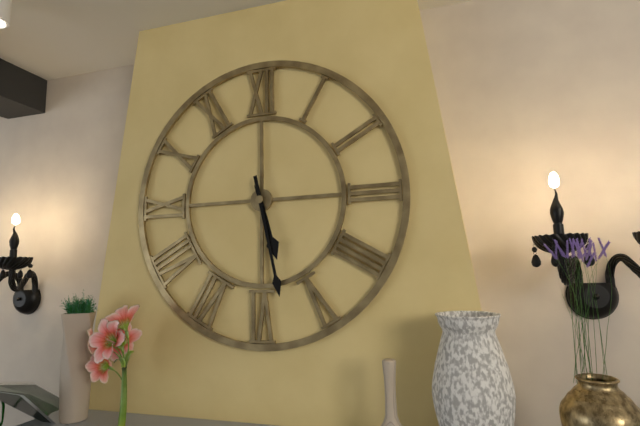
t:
5,28
